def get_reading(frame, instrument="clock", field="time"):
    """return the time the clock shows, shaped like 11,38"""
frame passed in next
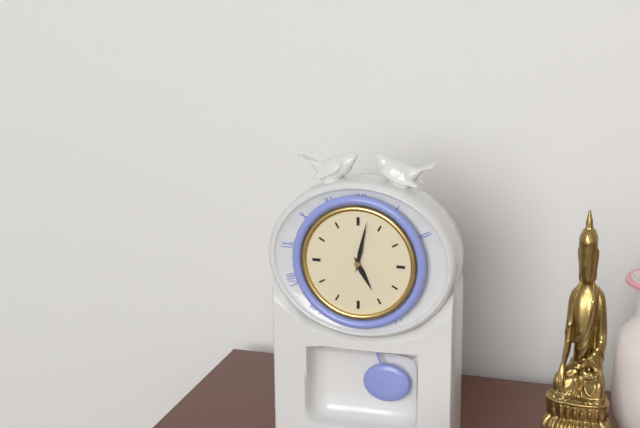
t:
5,02
